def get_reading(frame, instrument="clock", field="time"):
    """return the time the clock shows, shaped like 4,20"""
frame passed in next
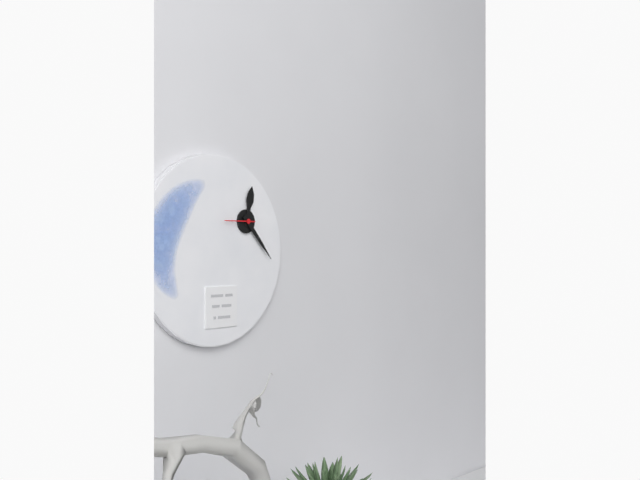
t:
12,23
